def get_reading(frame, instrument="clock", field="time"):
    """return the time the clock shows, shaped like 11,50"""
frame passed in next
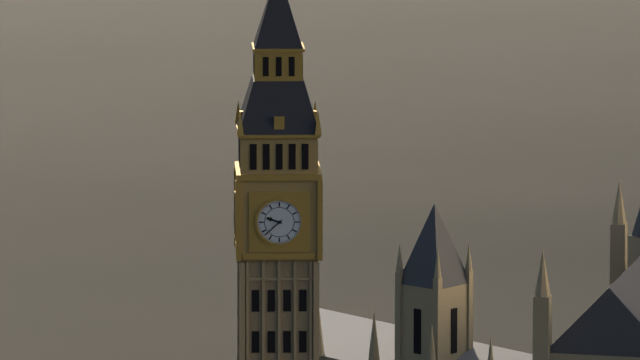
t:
9,38
